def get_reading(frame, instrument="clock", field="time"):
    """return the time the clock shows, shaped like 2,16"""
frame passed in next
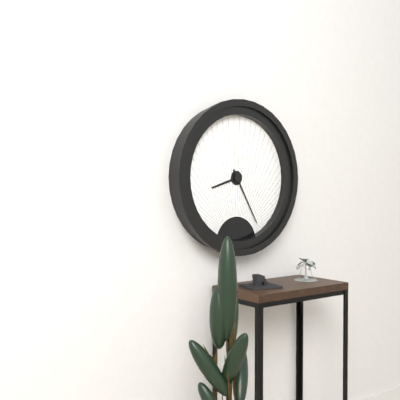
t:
8,25
